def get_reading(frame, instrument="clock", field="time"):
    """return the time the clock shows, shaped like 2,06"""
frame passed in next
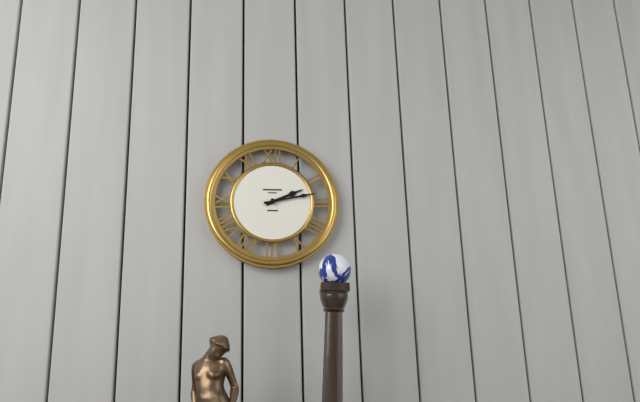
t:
2,13
